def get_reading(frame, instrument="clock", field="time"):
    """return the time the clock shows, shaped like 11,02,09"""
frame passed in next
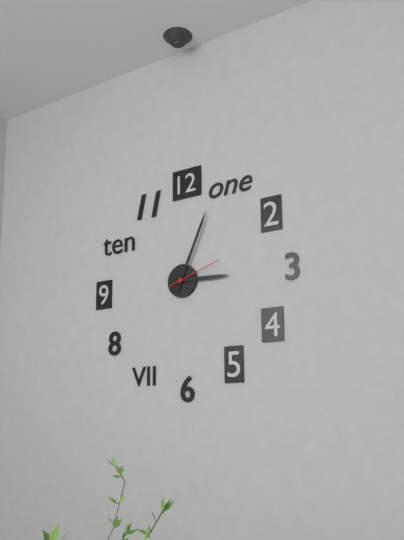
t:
3,04,12
